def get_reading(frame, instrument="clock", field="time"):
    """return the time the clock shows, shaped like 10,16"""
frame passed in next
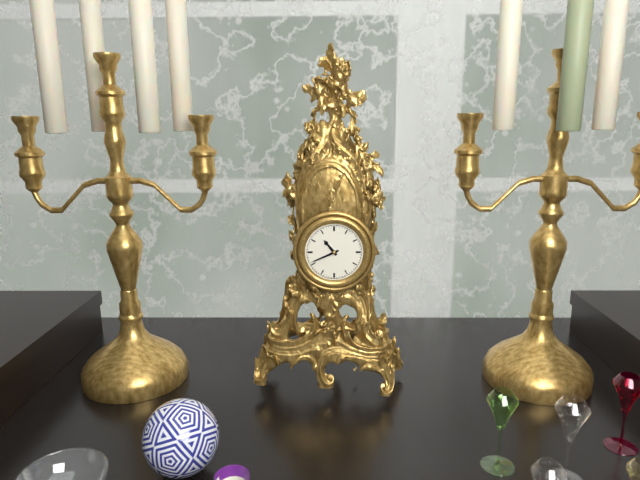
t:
10,41
